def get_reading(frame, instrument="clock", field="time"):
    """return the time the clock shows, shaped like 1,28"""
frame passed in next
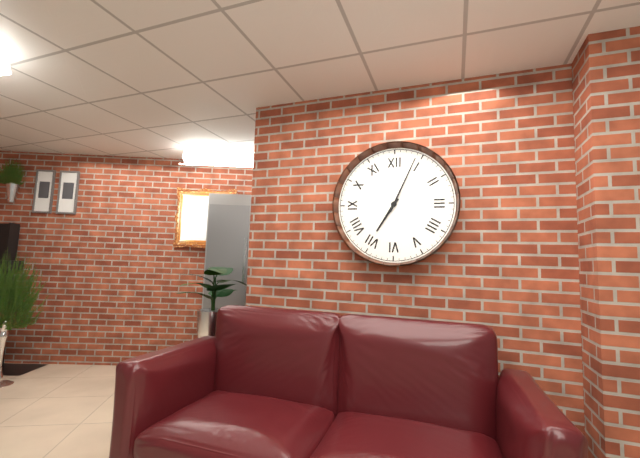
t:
7,04
